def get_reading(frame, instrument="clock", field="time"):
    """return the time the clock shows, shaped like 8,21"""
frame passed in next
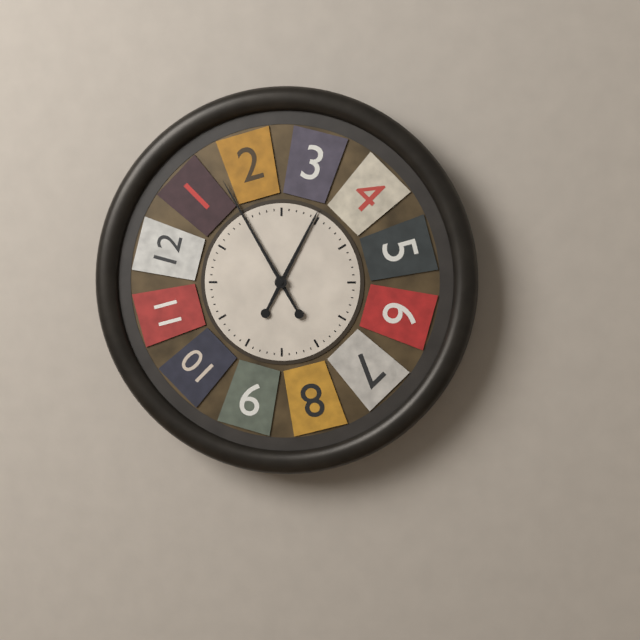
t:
12,55
